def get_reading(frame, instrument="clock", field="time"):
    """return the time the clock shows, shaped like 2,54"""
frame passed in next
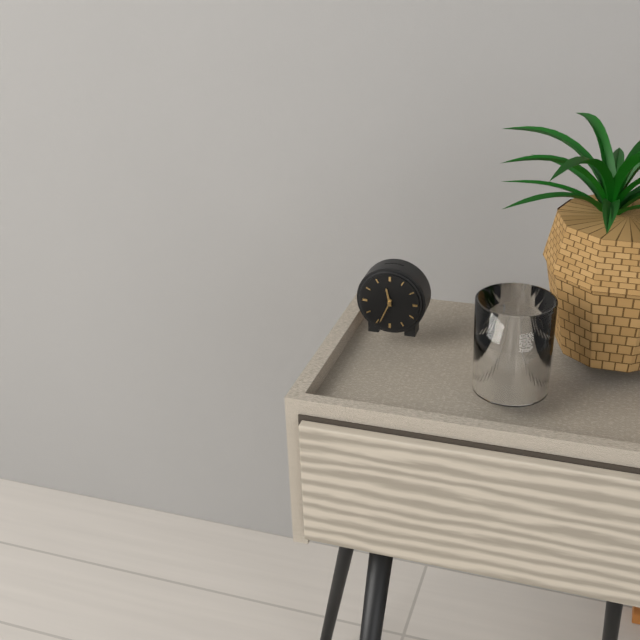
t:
11,34
